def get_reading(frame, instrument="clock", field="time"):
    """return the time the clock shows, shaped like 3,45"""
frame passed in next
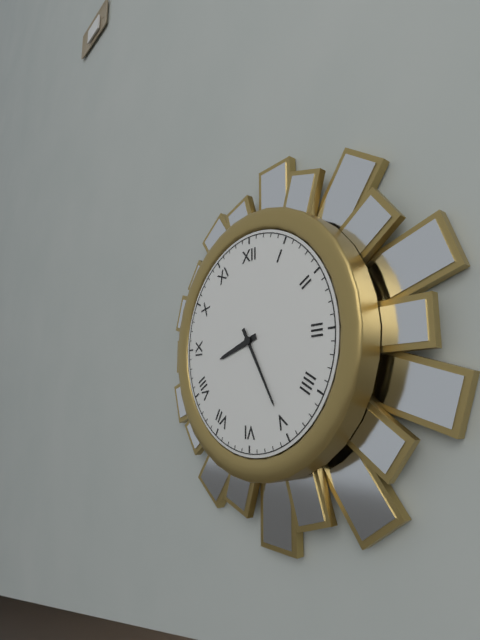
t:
8,25
